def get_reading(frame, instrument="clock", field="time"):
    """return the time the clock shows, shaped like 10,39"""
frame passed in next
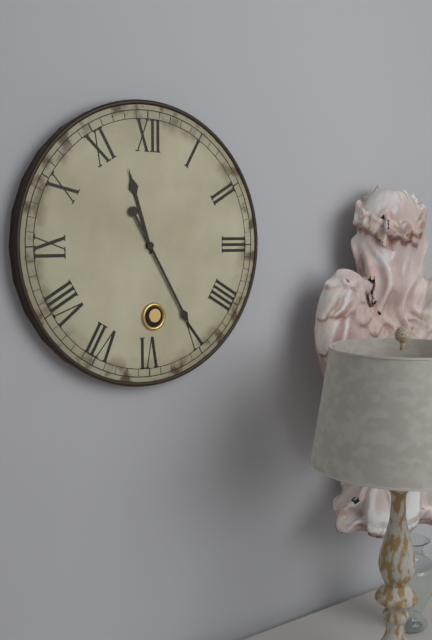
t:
11,25
